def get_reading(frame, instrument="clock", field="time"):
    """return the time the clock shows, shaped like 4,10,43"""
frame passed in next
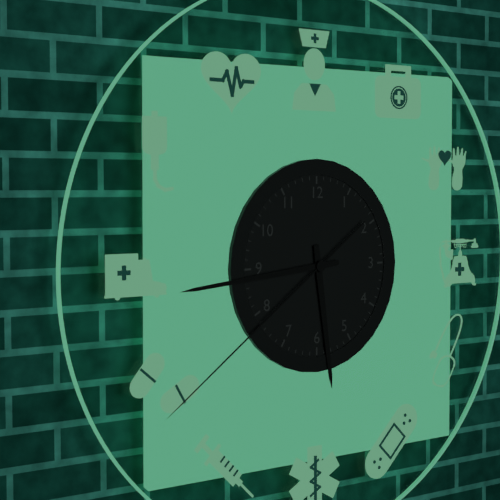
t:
5,44,39
